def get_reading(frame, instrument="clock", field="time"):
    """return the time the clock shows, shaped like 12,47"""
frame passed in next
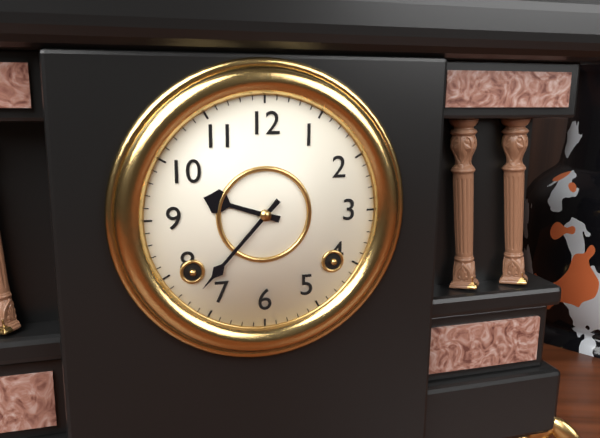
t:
9,37
